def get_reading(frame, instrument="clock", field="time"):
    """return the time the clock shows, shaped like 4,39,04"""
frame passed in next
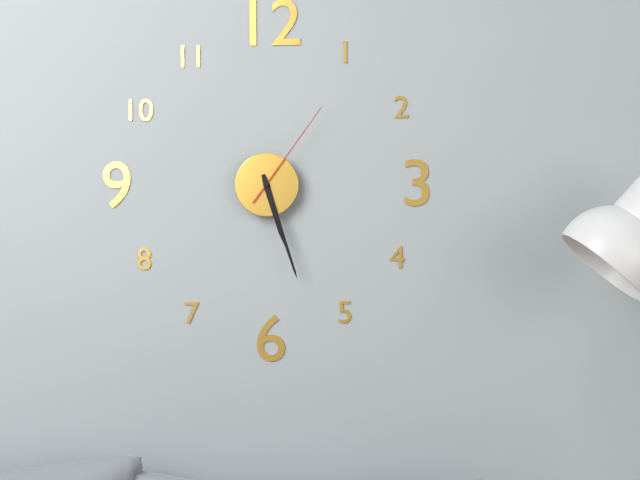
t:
5,27,06
